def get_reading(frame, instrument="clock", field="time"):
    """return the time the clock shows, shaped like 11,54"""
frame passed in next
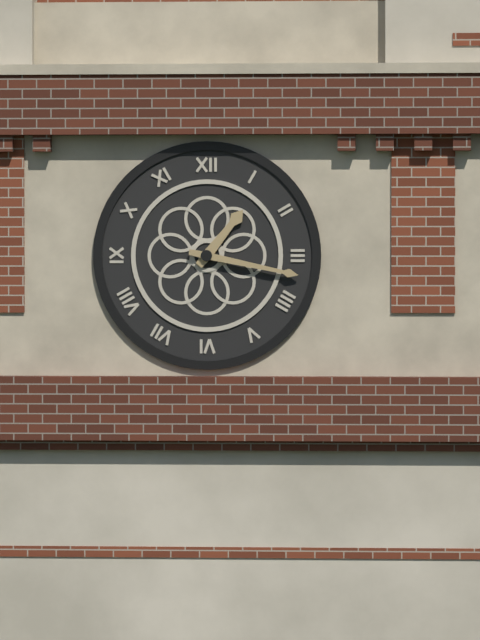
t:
1,17
